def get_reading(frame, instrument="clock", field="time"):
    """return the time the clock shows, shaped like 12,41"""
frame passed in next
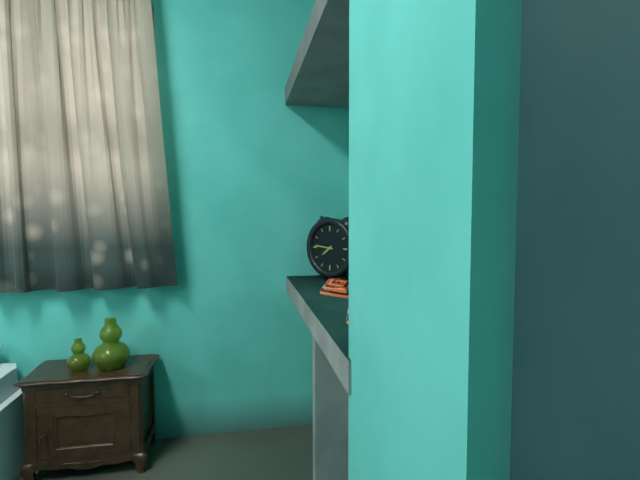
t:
7,46
